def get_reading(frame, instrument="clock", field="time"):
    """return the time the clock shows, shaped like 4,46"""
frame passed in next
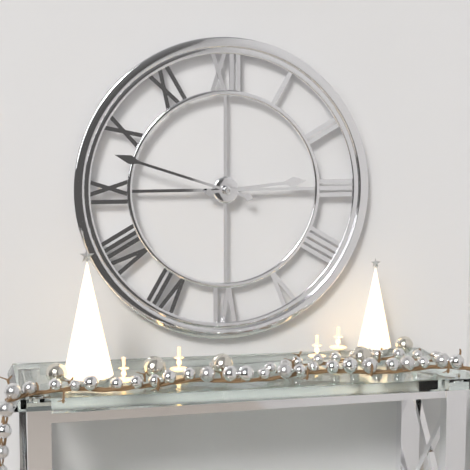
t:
2,48
